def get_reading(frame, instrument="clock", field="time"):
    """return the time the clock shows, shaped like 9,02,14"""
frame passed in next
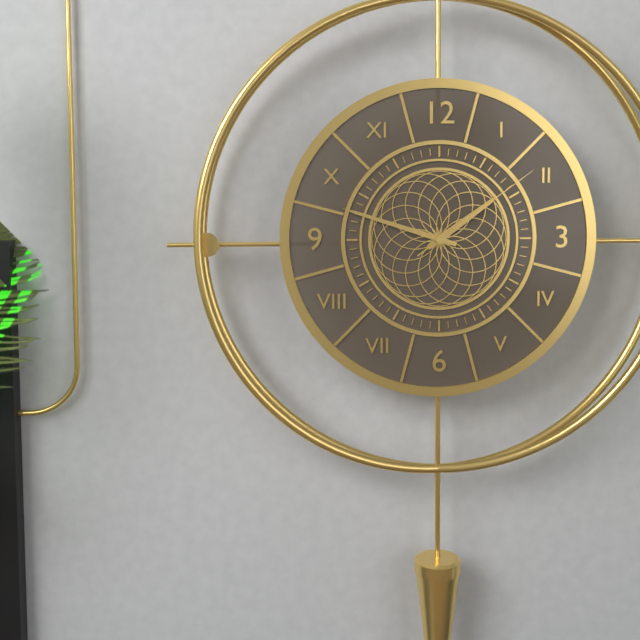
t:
1,48,09
